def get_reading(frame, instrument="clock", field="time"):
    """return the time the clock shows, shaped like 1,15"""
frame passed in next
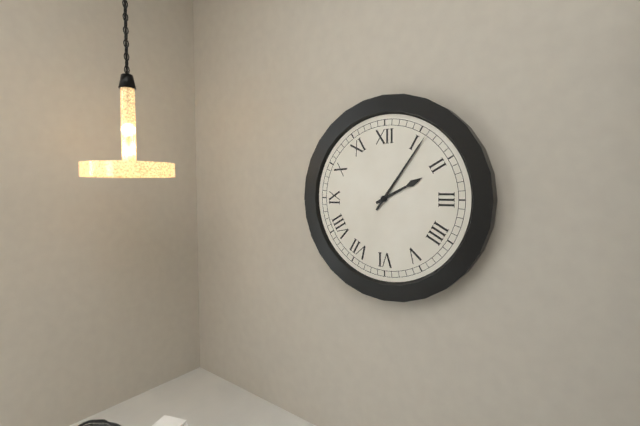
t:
2,06
